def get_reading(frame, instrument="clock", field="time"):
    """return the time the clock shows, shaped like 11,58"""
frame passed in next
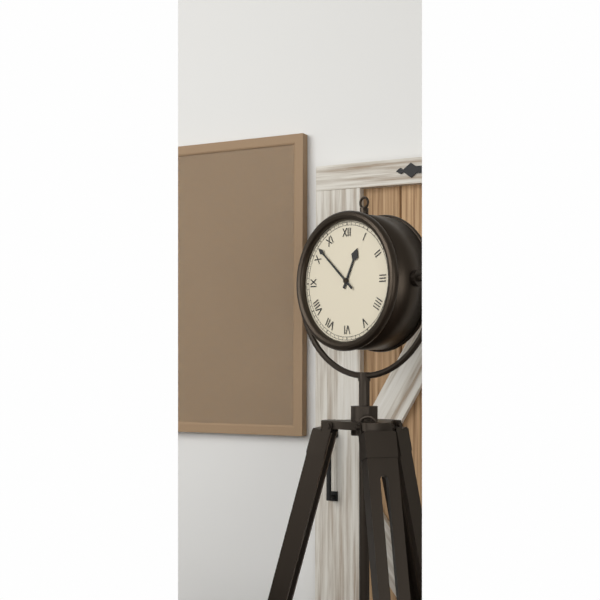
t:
12,52
